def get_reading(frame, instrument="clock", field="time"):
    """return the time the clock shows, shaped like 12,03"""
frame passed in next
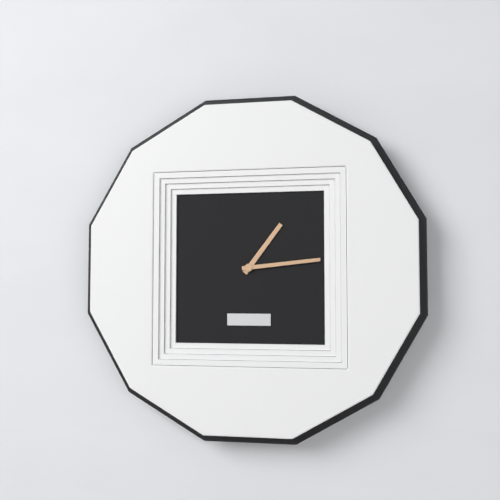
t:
1,14
